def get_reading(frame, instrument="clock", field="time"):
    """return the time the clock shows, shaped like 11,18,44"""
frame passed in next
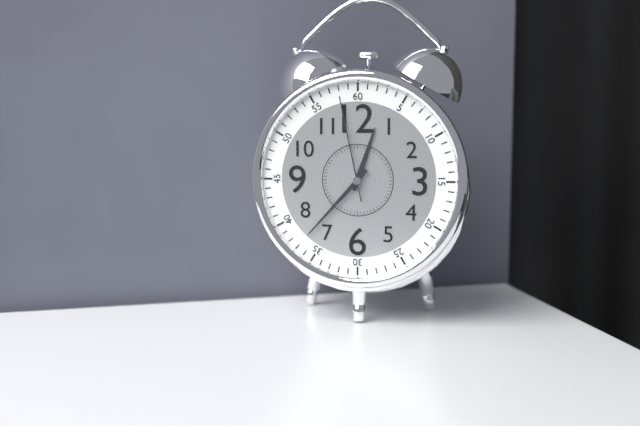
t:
12,37,58
